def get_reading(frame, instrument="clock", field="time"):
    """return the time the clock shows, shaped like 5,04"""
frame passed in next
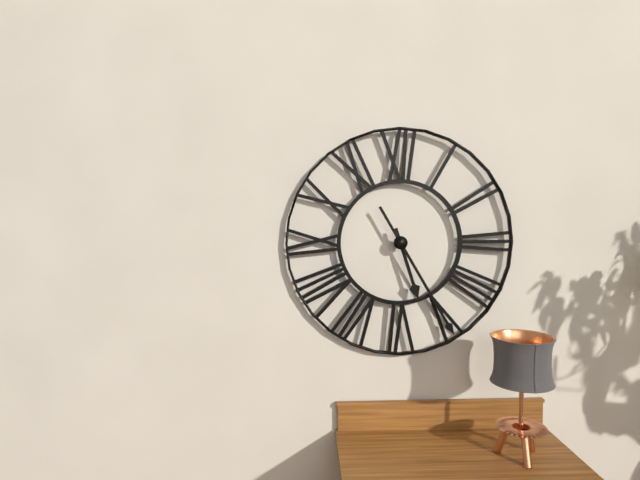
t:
5,25
